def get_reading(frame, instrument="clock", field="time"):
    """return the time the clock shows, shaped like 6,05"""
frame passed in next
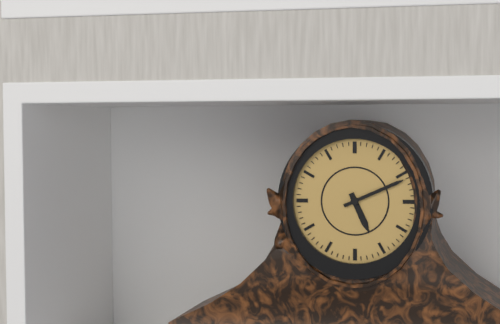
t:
5,11
